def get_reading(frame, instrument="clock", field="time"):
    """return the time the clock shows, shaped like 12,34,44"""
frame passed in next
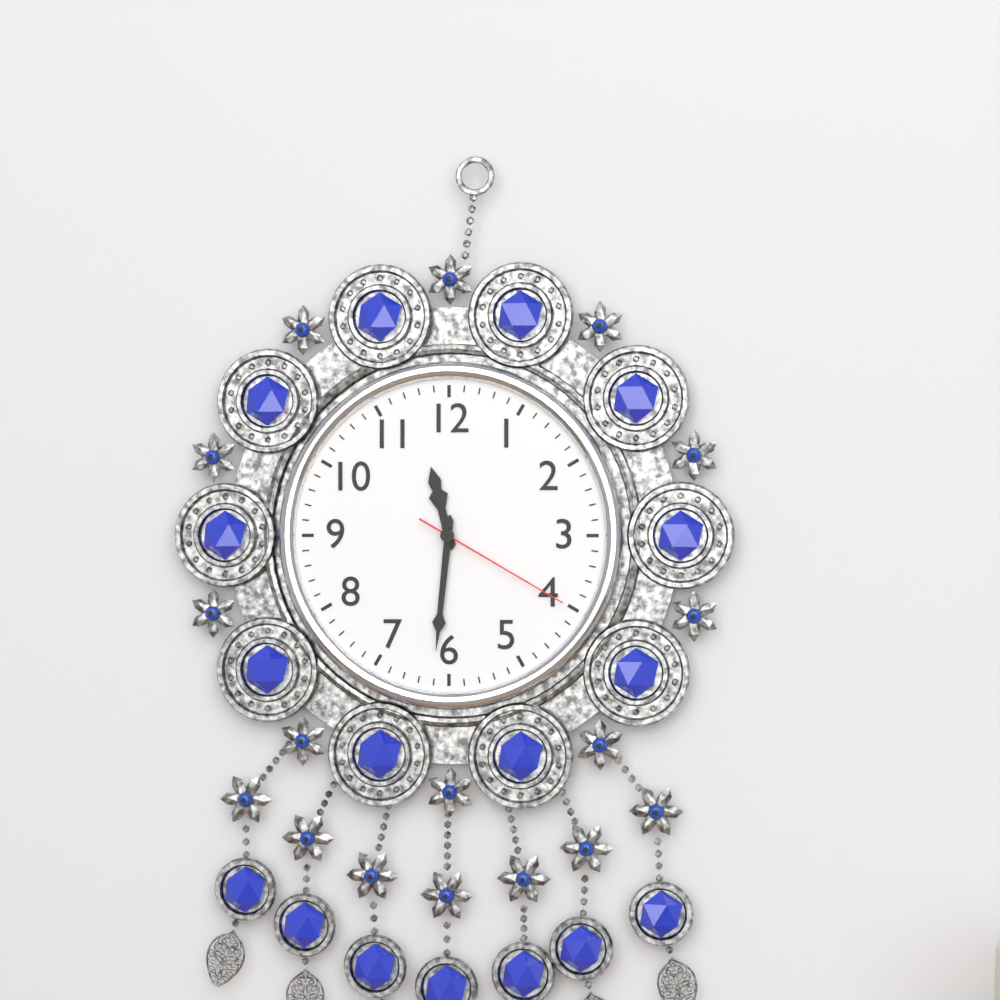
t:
11,31,20
